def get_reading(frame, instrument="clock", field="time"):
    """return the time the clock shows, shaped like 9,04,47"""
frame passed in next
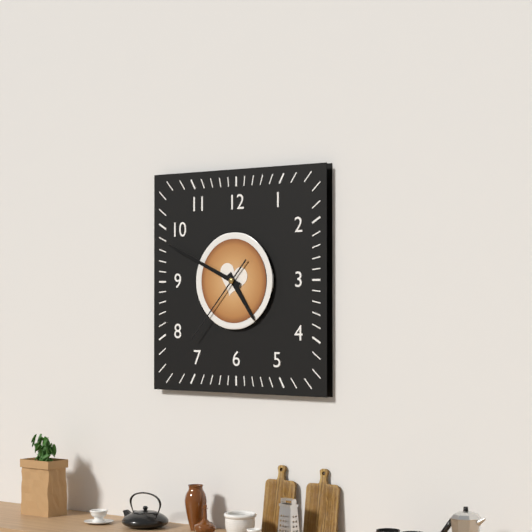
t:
4,49,37
